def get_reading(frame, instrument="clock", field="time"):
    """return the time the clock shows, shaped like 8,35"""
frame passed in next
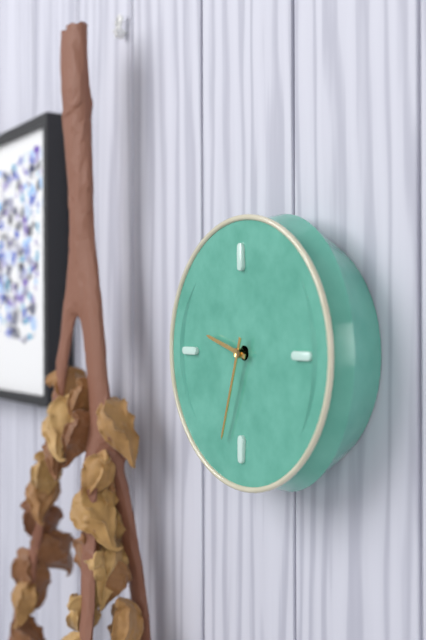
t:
9,33
